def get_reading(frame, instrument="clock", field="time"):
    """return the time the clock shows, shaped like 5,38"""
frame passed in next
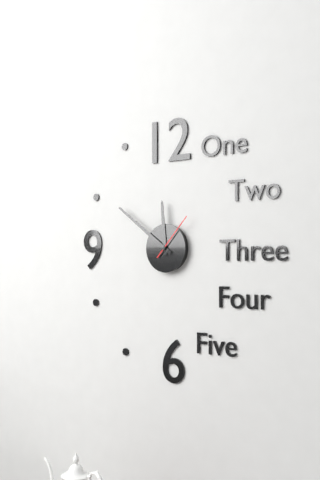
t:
11,51
